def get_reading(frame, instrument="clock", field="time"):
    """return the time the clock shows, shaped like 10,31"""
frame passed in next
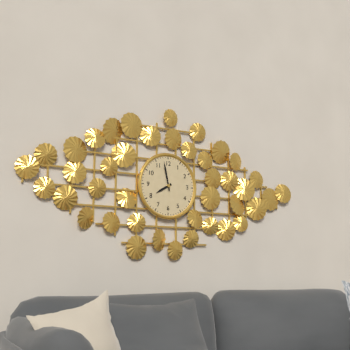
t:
7,58
